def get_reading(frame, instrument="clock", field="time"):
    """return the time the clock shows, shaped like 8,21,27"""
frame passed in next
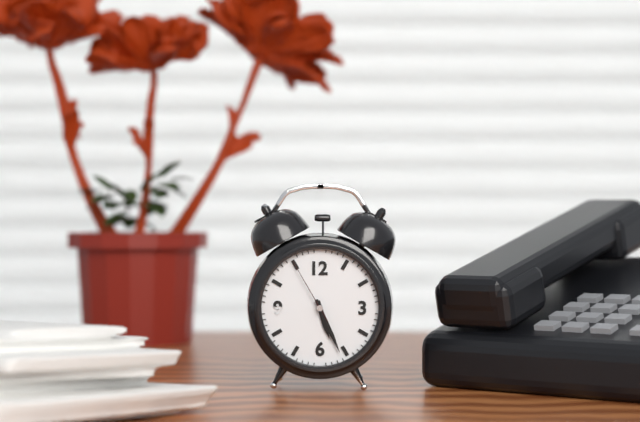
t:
5,26,55
